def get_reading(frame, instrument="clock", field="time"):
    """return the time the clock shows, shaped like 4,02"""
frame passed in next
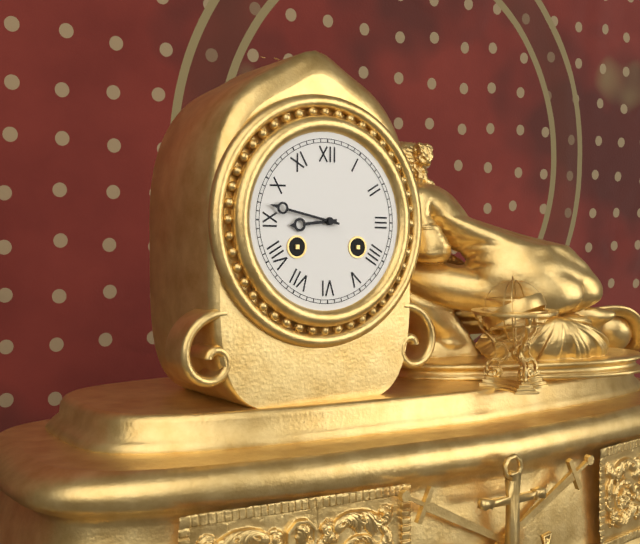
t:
8,47
